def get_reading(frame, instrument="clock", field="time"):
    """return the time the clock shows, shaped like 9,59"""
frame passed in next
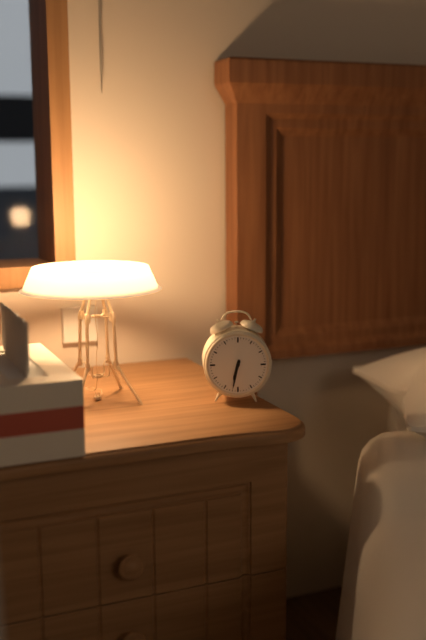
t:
6,32
